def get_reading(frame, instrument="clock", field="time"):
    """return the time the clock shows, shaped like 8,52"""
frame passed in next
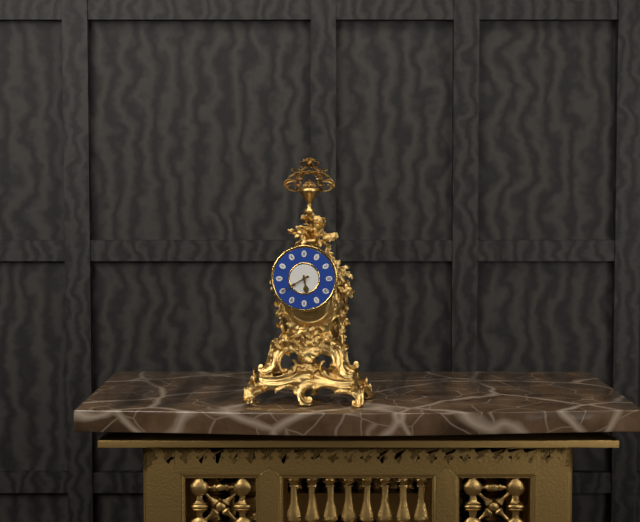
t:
5,40
